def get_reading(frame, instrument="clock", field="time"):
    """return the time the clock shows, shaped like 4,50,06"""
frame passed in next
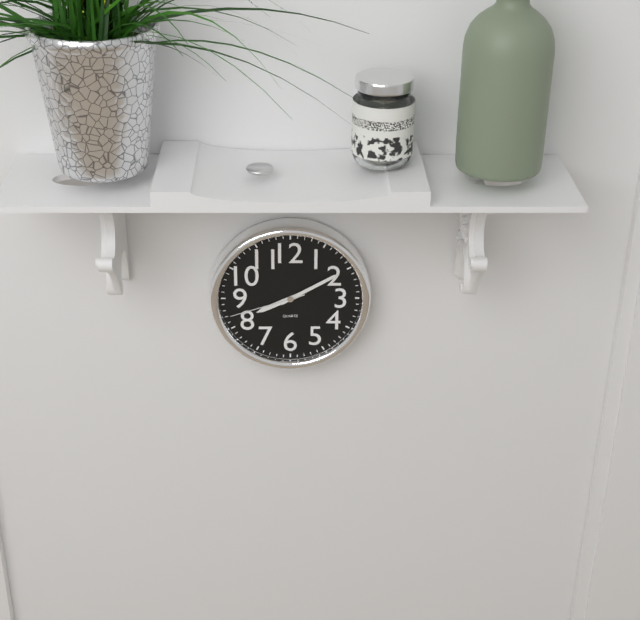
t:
8,10,42
